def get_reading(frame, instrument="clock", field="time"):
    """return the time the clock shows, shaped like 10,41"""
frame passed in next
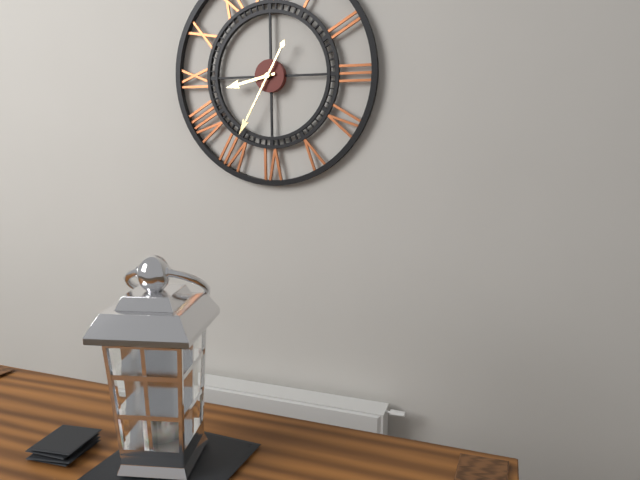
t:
8,35
